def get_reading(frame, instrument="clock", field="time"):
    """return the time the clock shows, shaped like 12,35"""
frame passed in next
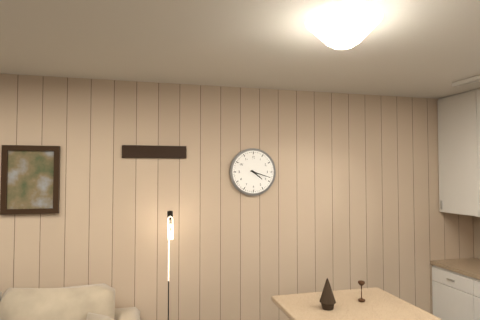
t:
4,18
